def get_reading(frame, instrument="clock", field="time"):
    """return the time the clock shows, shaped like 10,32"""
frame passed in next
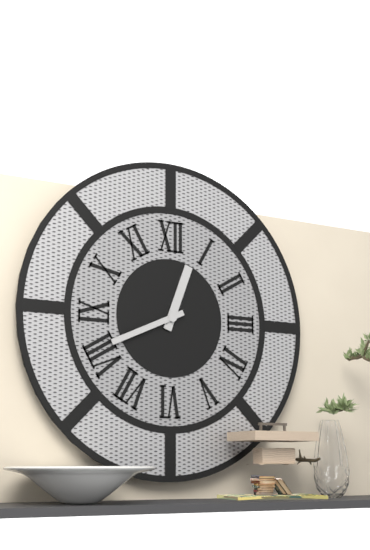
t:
12,41
